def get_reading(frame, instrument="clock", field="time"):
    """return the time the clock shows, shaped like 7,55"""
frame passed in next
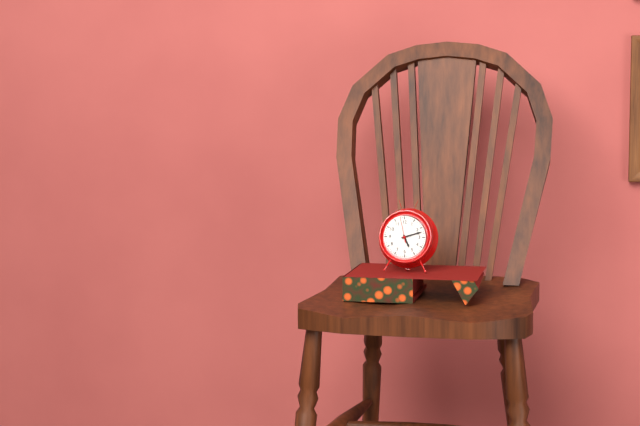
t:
5,12
